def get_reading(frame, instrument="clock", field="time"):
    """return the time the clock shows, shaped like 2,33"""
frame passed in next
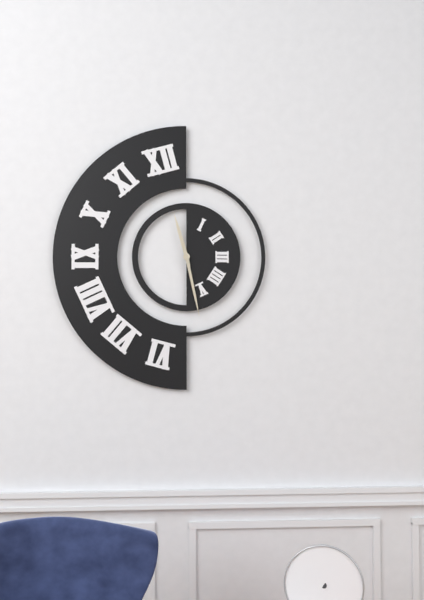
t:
11,28
